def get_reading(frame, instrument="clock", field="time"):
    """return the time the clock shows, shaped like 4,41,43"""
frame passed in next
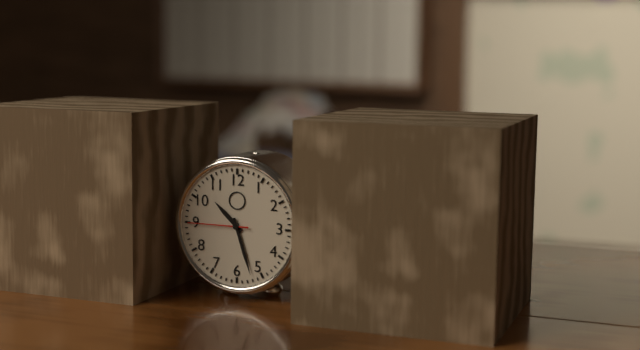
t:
10,27,45
